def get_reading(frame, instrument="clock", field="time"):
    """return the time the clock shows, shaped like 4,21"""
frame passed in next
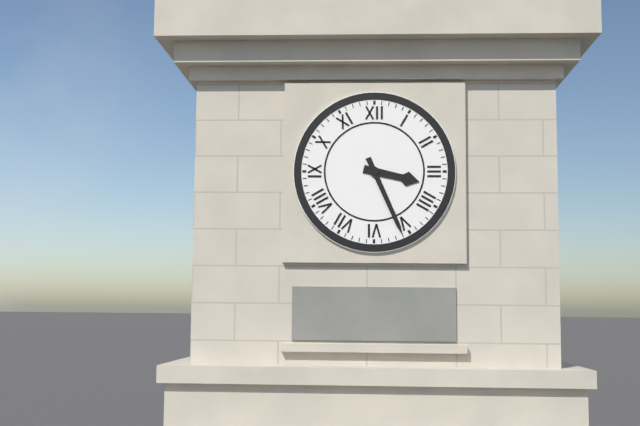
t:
3,26
